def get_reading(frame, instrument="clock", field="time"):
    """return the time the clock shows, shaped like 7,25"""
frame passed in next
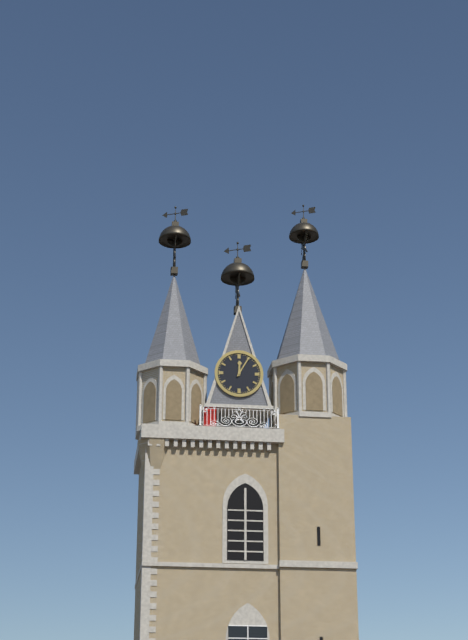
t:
12,05
